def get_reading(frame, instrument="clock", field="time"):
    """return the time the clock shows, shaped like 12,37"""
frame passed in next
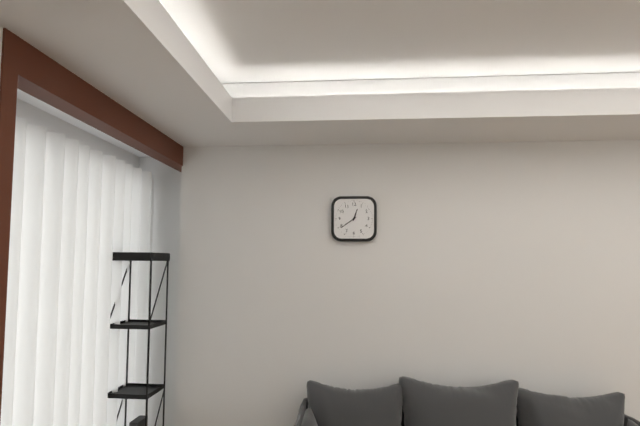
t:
12,39
